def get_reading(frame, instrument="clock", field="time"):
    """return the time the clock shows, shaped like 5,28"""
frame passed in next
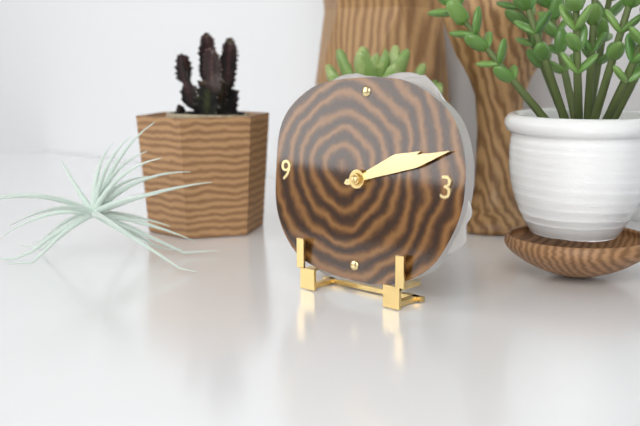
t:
2,12
